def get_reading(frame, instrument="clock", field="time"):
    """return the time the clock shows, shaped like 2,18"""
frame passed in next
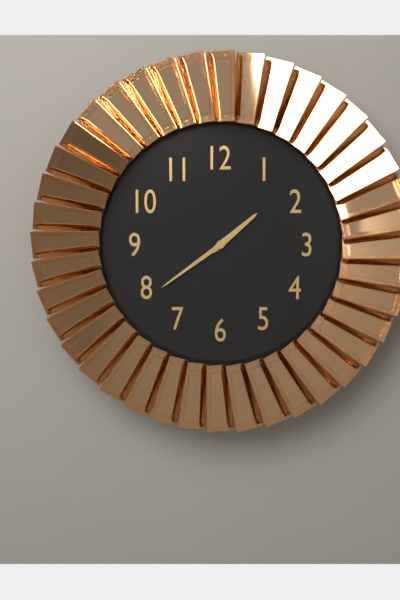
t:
1,39
